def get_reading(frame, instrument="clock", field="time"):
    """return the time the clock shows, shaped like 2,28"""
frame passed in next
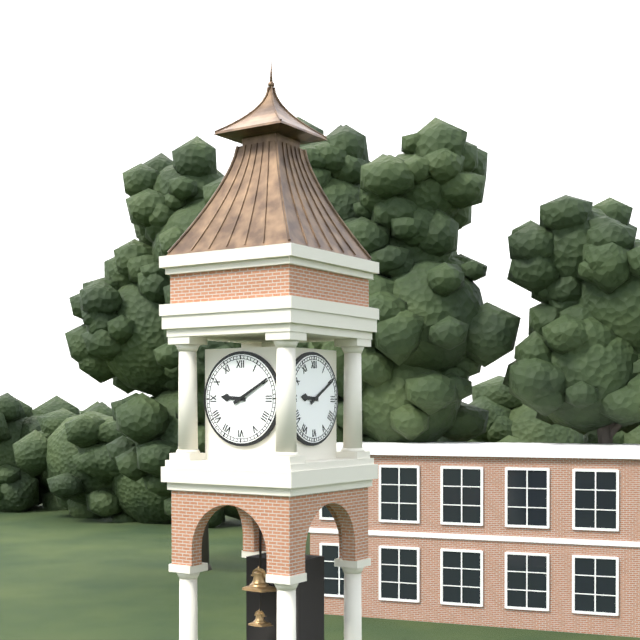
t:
9,10
